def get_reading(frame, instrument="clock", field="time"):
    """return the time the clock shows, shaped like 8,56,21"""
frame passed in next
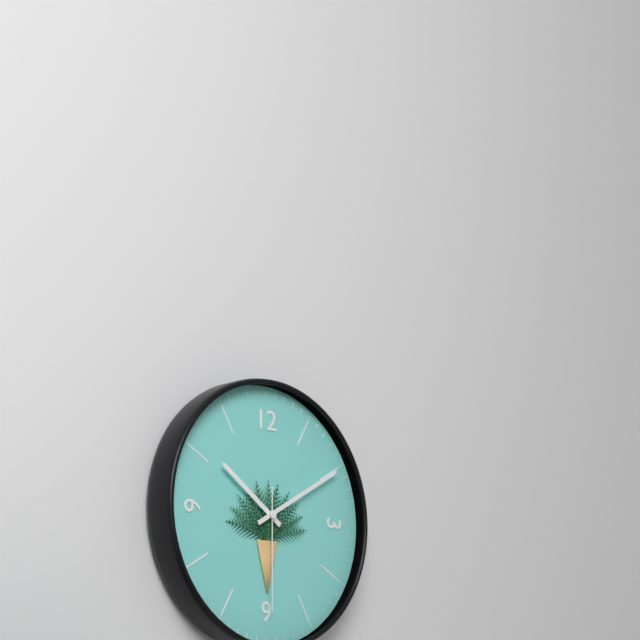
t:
10,10,30
